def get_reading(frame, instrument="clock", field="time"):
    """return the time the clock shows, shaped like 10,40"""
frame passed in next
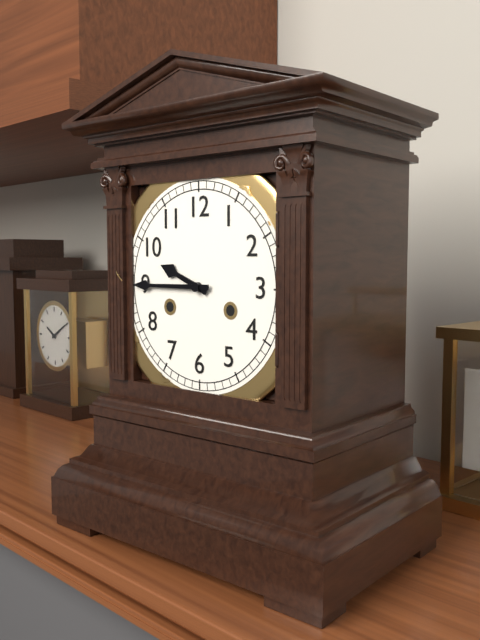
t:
9,45
